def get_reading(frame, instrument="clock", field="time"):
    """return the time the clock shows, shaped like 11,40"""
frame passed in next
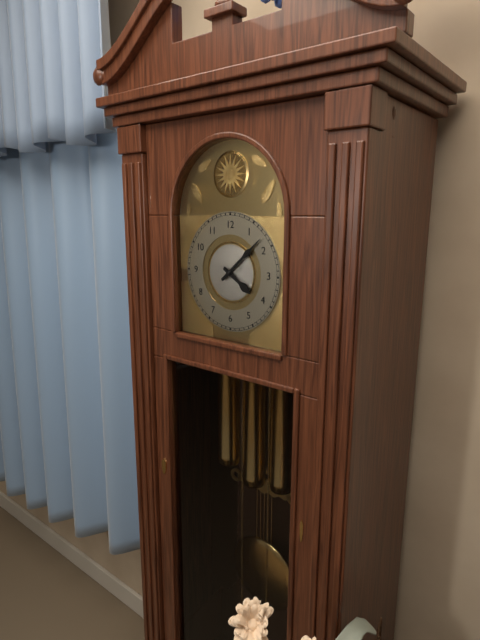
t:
4,08
